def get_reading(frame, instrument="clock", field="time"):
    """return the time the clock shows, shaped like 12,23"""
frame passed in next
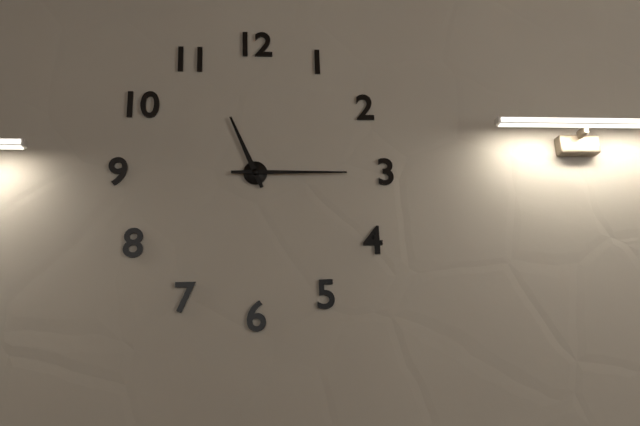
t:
11,15
